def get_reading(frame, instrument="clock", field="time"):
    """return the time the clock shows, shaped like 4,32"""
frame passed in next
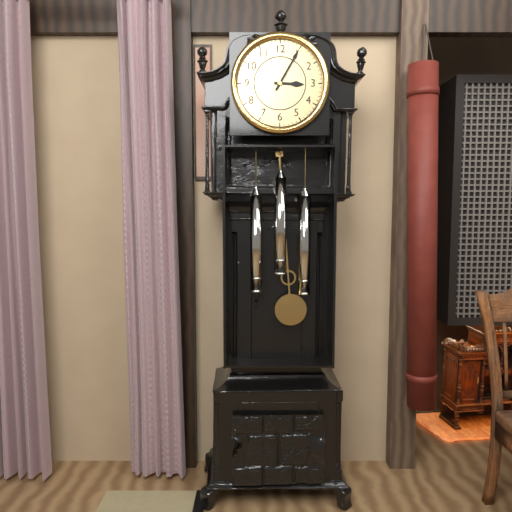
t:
3,05
